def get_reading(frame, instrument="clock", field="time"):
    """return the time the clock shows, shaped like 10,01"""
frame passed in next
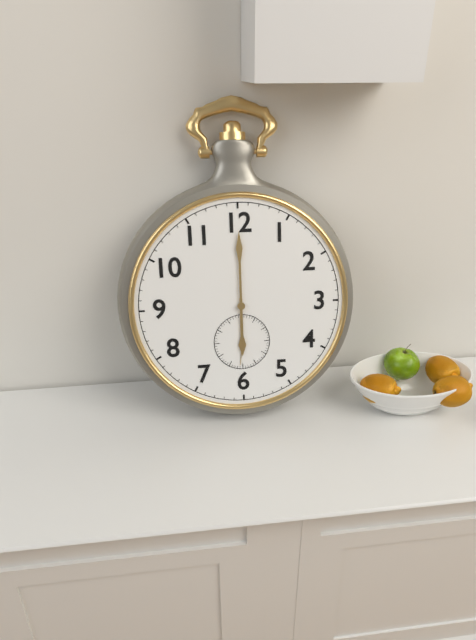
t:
6,00
